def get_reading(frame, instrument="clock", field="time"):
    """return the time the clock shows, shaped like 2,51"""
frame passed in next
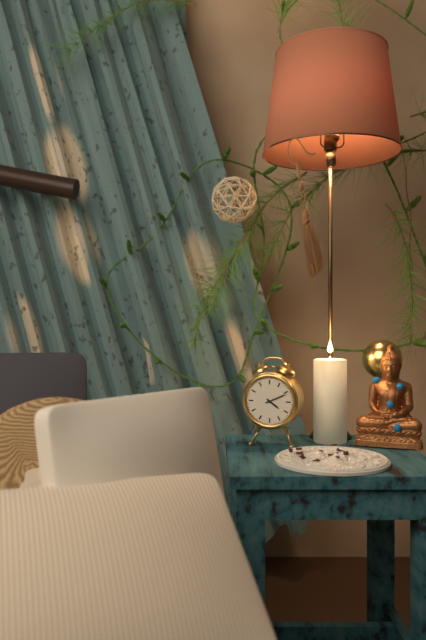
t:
4,11
